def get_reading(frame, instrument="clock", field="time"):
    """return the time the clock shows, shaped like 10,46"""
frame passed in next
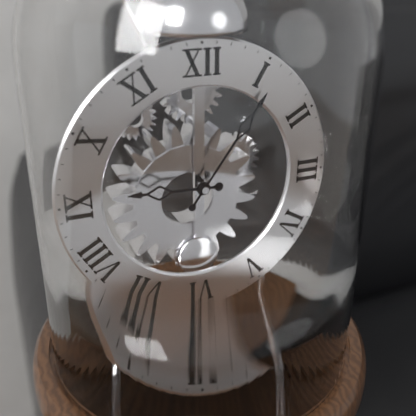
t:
9,06
